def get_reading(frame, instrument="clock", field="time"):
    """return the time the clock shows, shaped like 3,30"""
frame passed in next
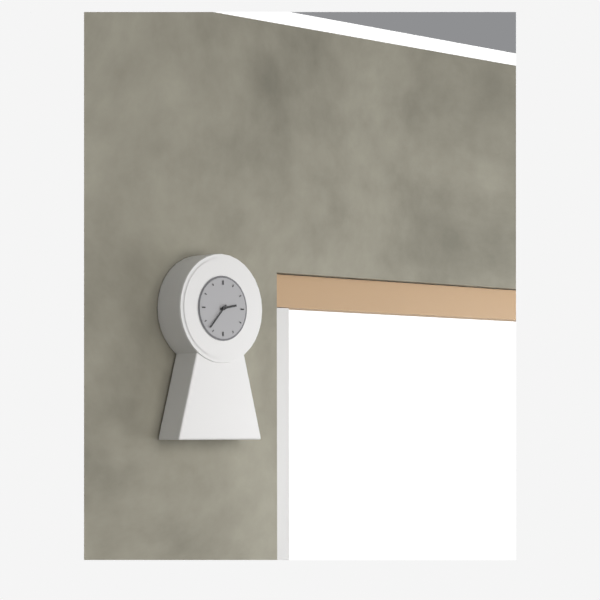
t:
2,37
